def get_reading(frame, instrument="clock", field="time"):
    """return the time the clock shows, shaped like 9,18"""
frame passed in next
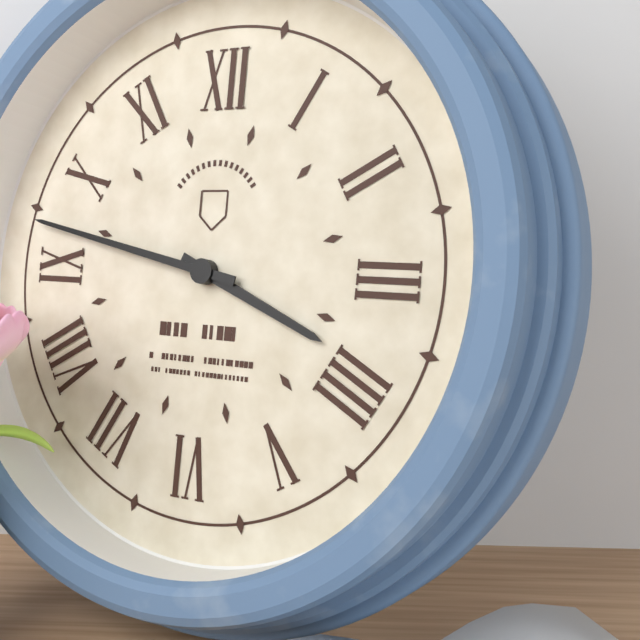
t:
3,47
